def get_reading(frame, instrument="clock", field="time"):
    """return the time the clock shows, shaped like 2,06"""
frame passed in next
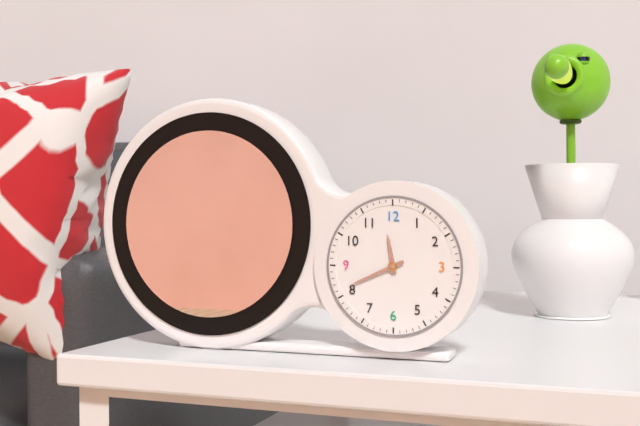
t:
11,41
